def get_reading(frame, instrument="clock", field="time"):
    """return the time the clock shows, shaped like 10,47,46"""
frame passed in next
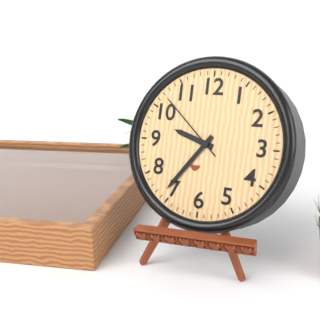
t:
9,36,52
